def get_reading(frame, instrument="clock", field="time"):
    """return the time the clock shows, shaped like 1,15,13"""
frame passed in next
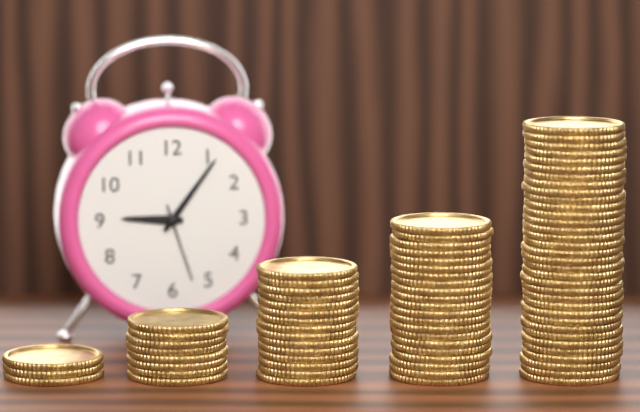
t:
9,06,27
